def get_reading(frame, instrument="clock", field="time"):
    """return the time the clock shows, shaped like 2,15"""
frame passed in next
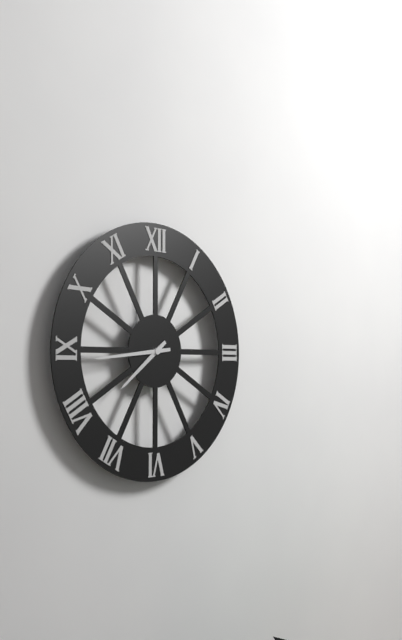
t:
7,44
